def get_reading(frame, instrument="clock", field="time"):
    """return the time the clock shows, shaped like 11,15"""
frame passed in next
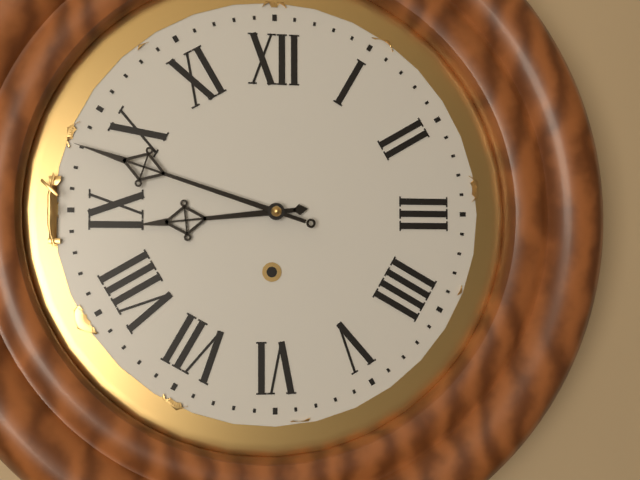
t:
8,48
